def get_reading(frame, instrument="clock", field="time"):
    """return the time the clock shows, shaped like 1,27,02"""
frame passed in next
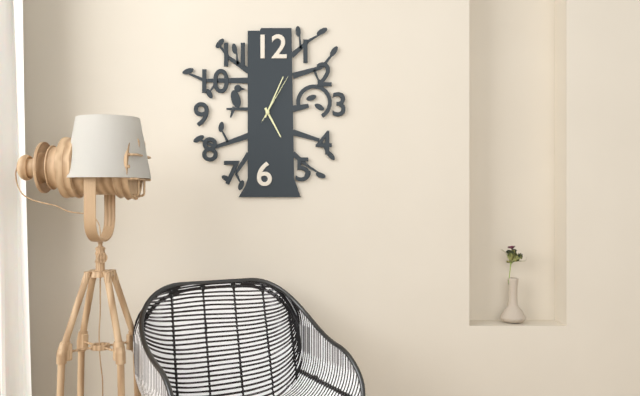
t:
5,04,05
